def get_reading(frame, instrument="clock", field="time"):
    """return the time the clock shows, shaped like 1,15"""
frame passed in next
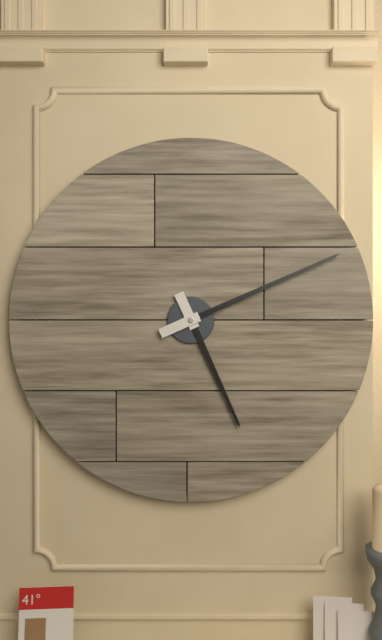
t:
5,11
